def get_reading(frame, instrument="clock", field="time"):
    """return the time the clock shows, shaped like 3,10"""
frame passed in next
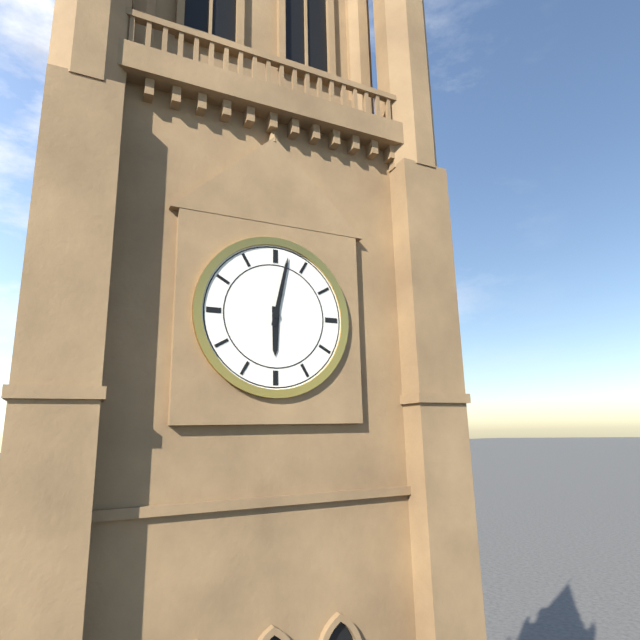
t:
6,02
